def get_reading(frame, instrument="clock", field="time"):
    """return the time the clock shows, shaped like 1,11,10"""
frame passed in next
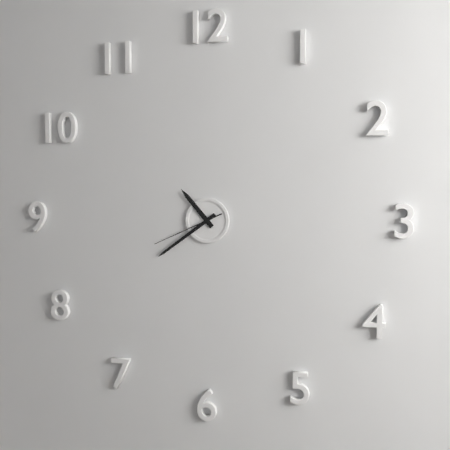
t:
10,39,41
